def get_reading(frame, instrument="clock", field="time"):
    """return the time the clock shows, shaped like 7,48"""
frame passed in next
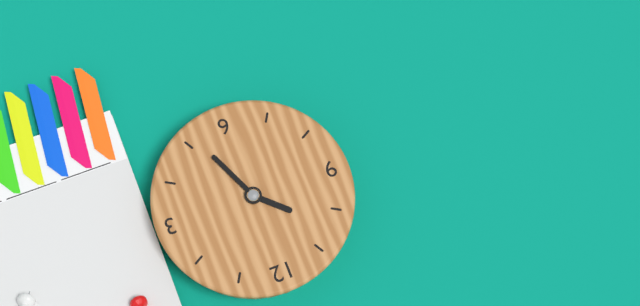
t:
10,26
